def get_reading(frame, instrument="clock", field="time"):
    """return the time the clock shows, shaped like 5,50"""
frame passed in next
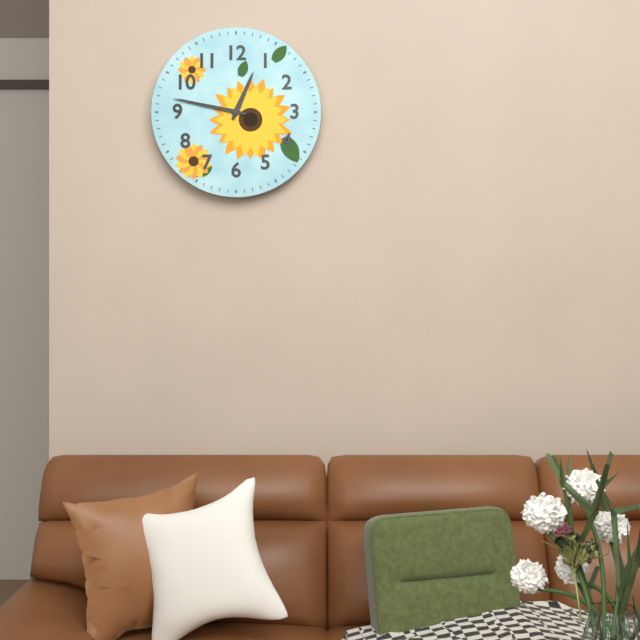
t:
12,47
